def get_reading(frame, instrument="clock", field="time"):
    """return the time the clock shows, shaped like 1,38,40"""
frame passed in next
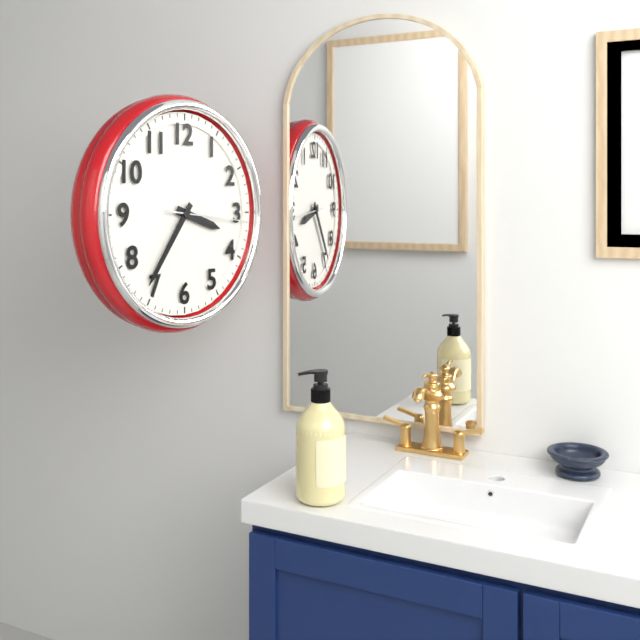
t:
3,36,16
